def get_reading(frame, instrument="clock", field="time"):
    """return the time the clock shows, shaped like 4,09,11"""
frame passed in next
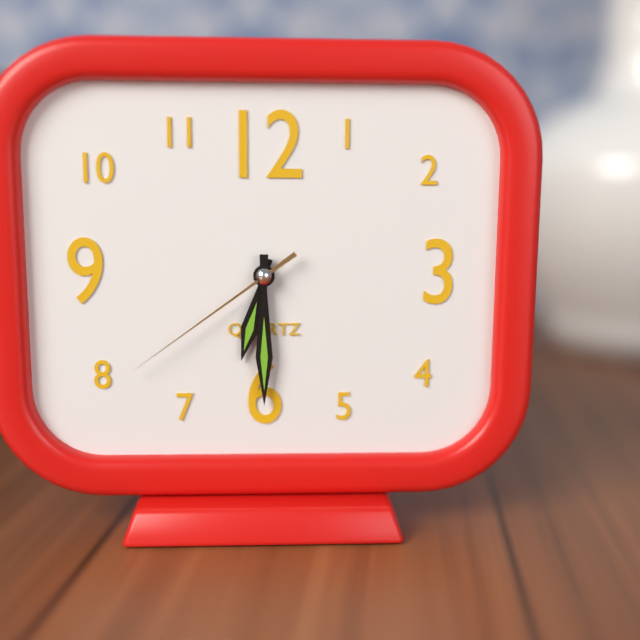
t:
6,30,39
